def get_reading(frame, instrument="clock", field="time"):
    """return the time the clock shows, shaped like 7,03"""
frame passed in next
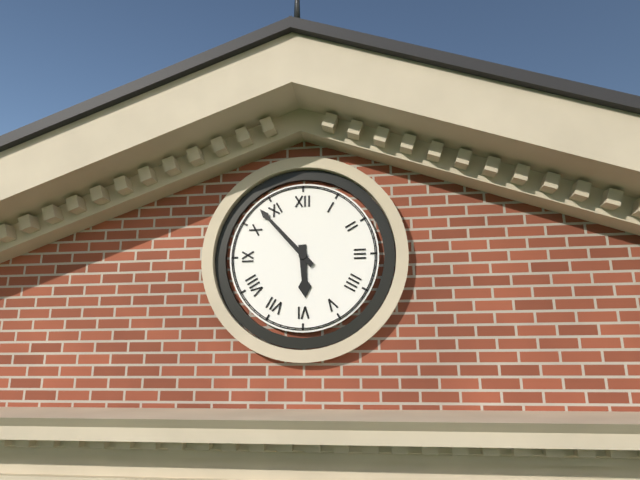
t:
5,53
